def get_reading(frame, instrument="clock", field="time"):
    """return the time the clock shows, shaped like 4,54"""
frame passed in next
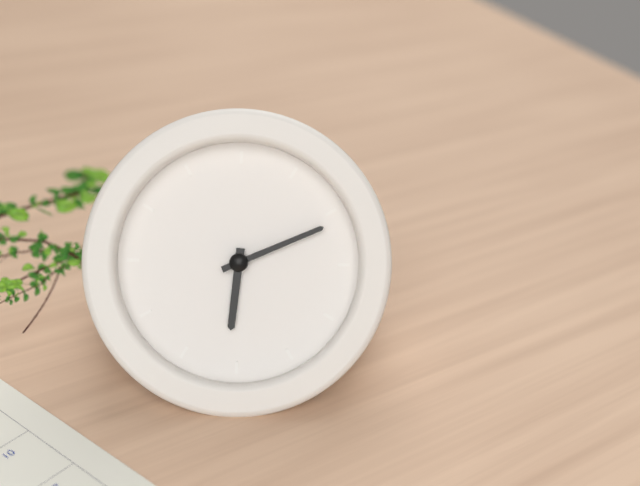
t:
6,11
